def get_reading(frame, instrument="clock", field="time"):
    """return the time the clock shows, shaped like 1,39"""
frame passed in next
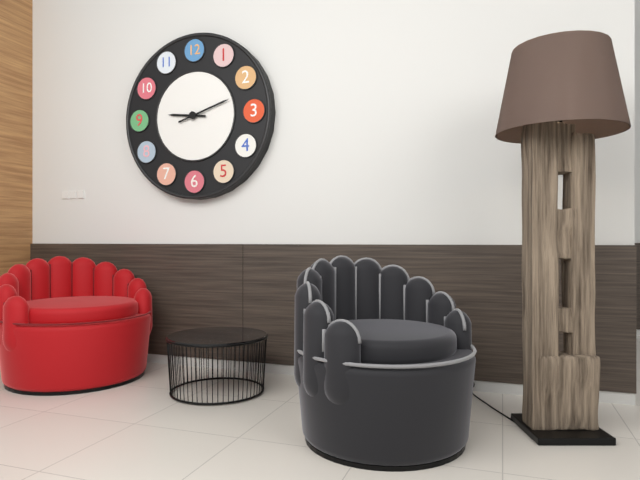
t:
9,12
